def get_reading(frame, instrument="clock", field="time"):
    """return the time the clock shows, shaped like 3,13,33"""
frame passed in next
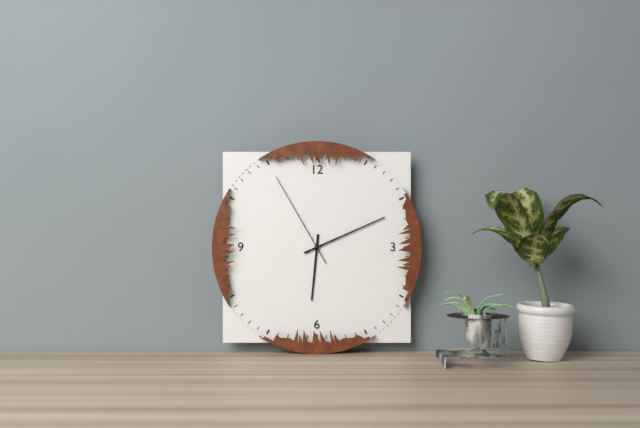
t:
6,11,55
